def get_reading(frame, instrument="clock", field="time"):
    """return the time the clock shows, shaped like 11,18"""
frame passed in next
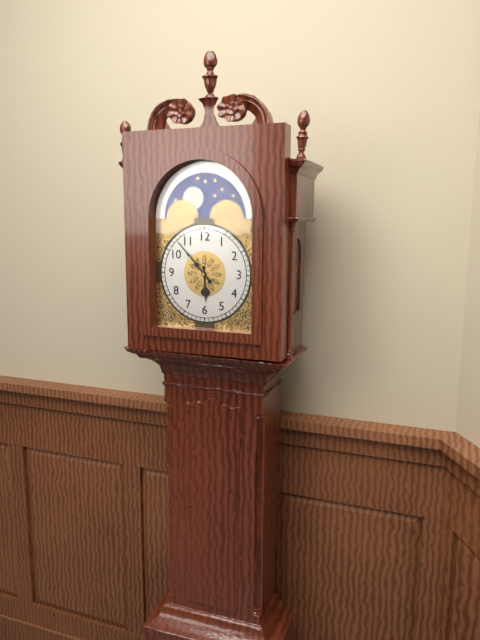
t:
5,53
